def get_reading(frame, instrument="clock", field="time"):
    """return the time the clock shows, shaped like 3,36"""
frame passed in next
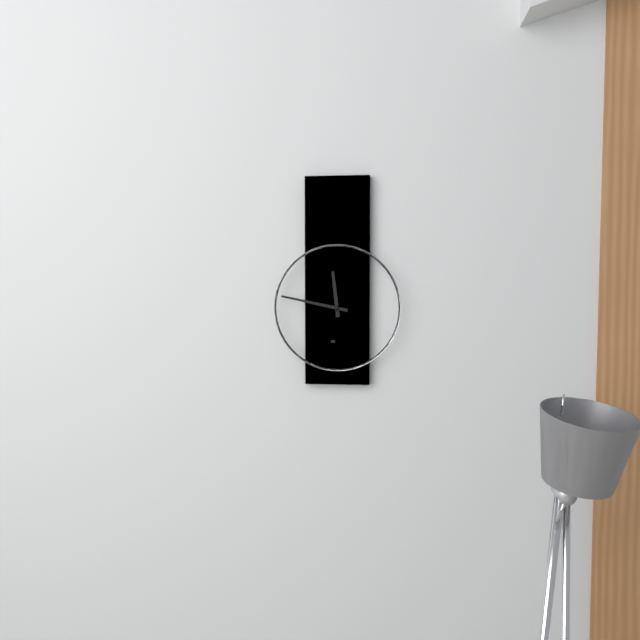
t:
11,47
